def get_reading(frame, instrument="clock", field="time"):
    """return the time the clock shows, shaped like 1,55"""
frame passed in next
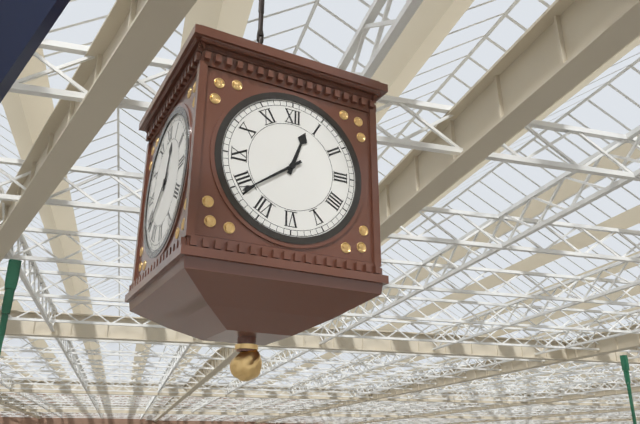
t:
12,39
